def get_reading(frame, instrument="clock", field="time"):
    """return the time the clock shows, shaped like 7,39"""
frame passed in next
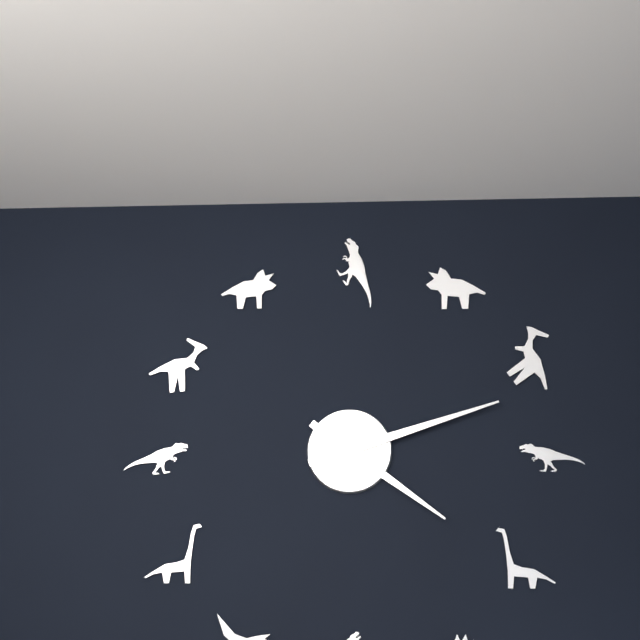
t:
4,12
